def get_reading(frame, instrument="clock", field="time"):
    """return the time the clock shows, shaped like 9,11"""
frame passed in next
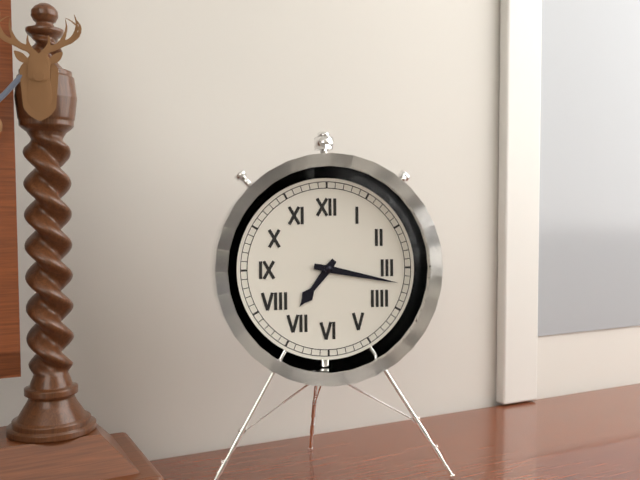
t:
7,17
